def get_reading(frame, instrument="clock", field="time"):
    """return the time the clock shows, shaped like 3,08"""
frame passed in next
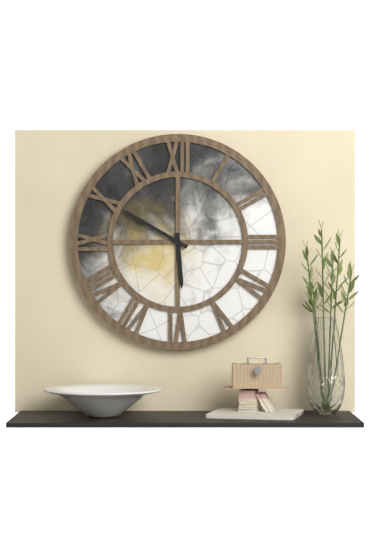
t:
5,50
